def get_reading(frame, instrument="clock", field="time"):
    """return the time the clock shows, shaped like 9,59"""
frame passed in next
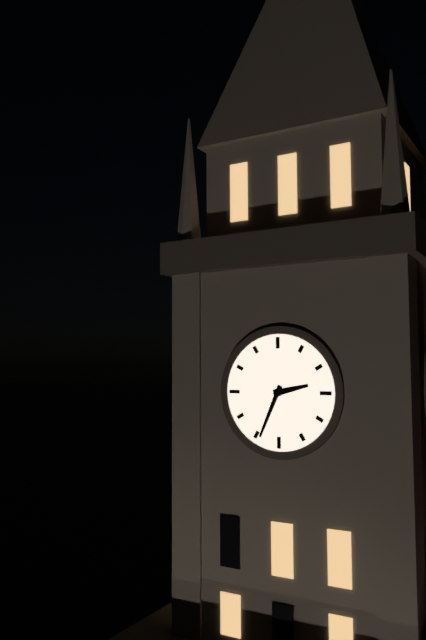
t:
2,34
